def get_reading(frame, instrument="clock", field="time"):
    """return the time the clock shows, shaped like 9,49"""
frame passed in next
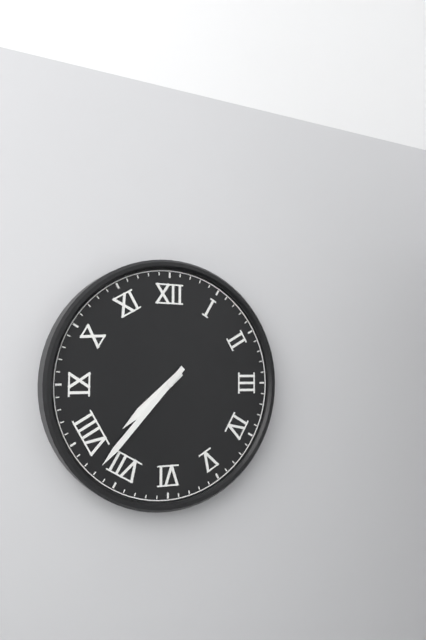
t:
7,37
